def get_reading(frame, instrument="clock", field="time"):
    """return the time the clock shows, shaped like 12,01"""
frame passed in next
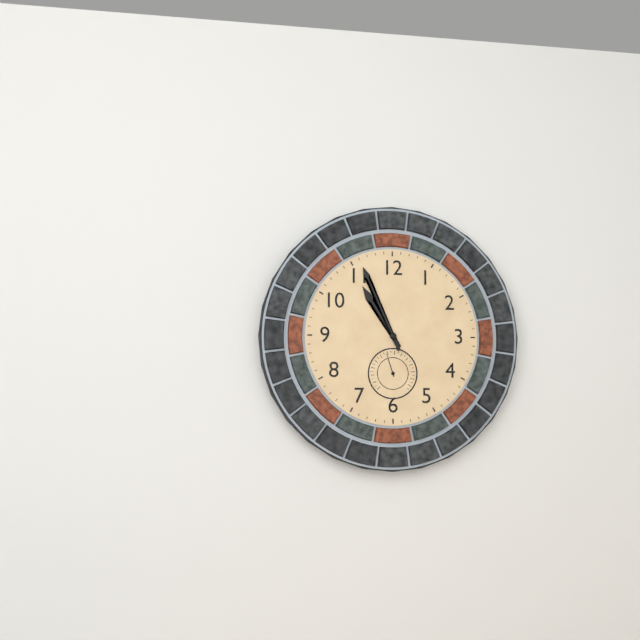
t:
10,56
